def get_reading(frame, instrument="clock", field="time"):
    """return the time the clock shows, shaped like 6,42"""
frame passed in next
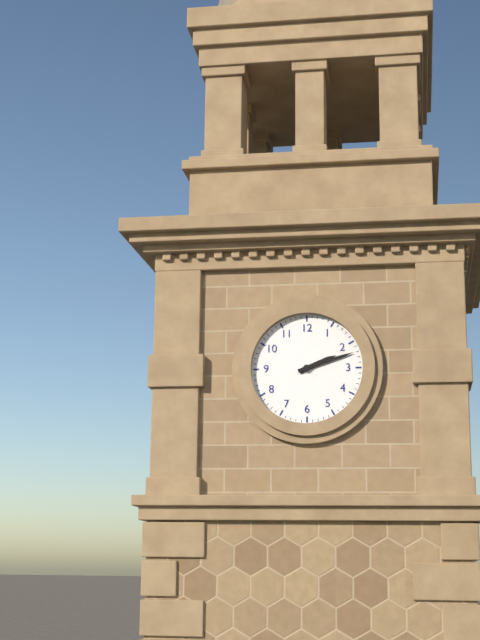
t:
2,12
